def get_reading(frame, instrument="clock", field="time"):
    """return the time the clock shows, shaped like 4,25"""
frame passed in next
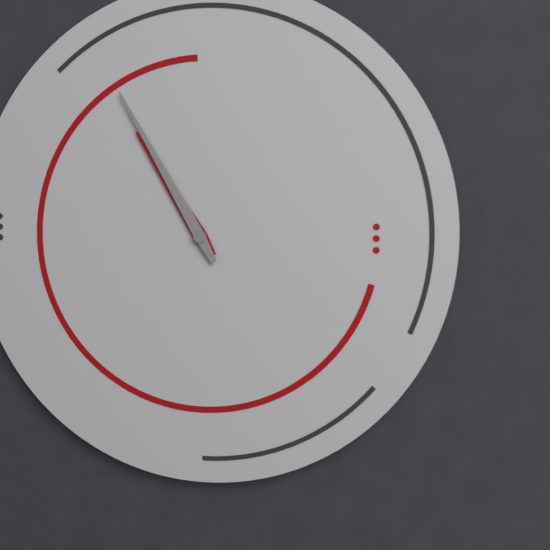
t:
10,55
